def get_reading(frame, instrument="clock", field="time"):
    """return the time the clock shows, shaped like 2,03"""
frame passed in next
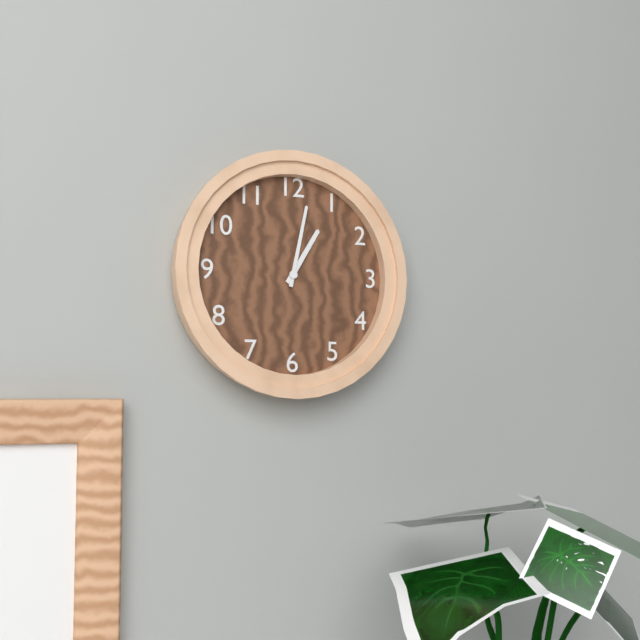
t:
1,02
